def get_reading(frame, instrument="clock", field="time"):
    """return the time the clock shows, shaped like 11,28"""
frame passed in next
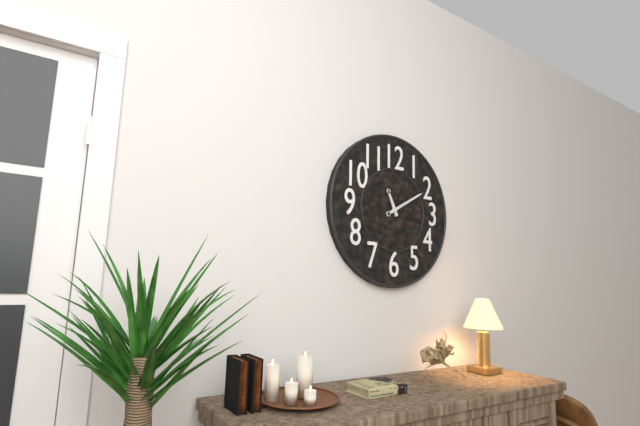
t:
11,10
